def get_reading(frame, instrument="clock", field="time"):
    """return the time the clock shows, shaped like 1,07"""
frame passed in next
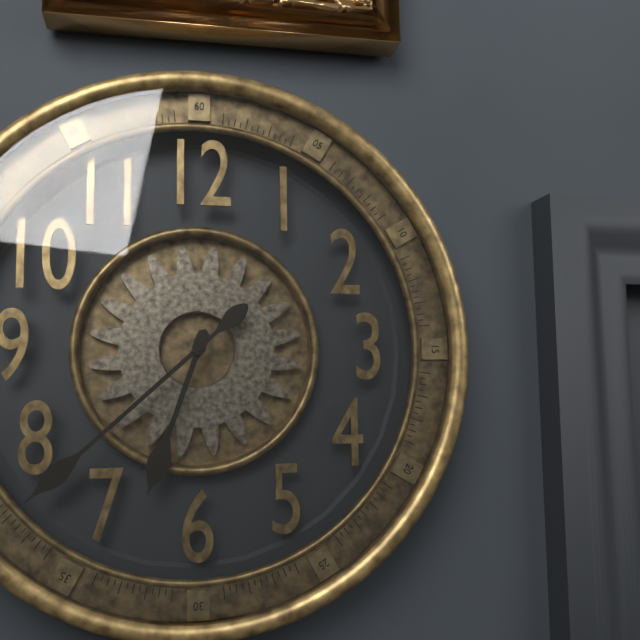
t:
6,38
